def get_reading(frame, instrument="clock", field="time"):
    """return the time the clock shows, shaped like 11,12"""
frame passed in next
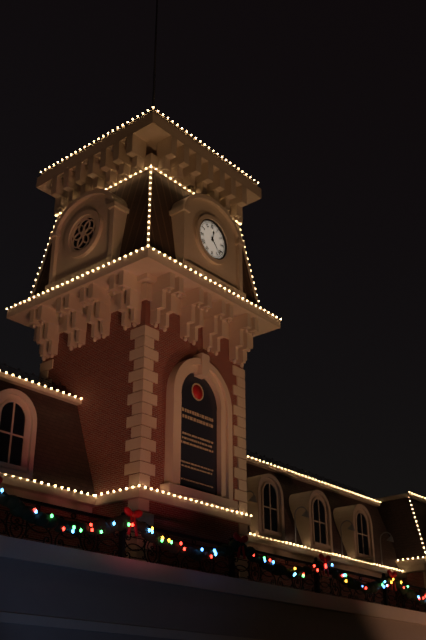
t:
12,23
